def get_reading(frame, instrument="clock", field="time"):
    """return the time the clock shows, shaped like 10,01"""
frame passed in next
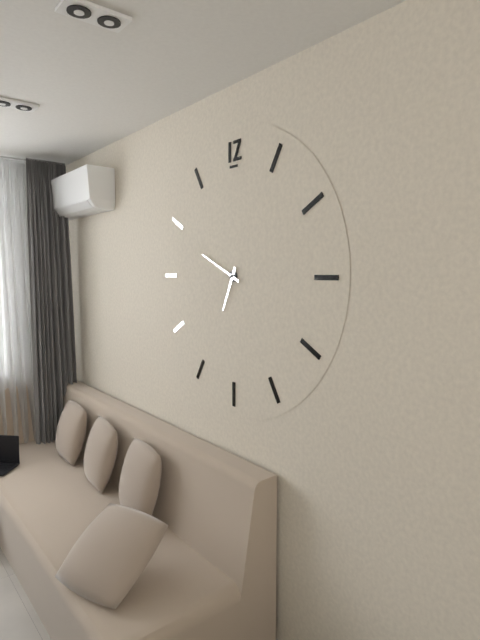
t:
6,49
